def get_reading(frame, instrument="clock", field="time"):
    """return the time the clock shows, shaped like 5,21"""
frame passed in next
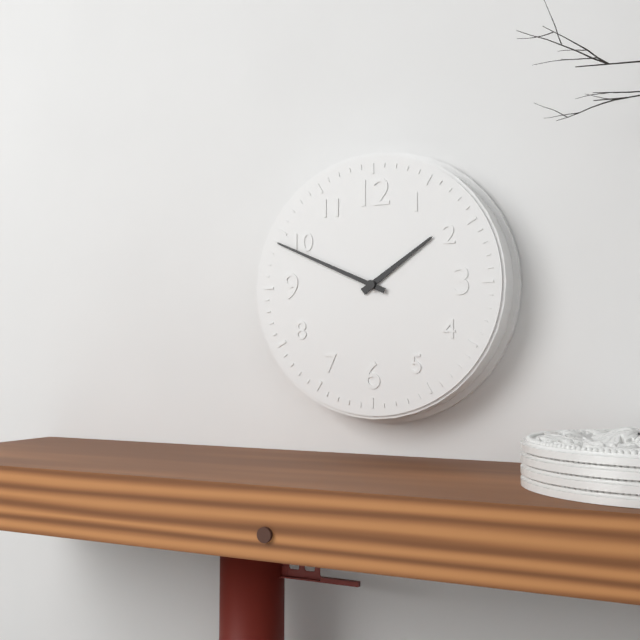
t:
1,49
